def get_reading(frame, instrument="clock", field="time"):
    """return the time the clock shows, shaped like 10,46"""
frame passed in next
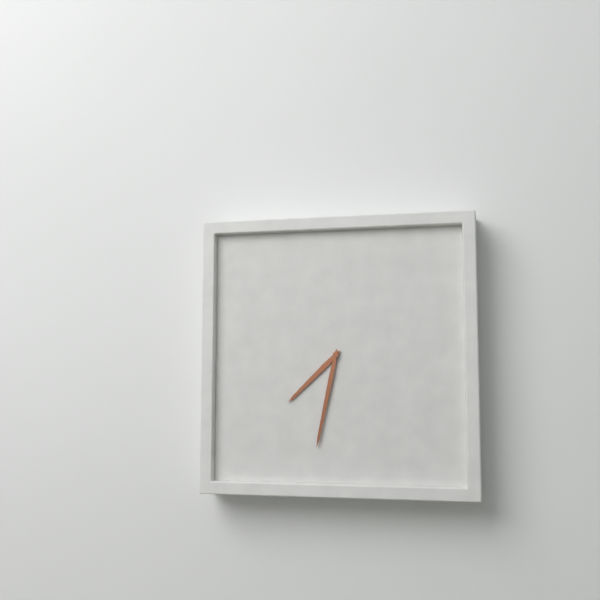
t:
7,32
